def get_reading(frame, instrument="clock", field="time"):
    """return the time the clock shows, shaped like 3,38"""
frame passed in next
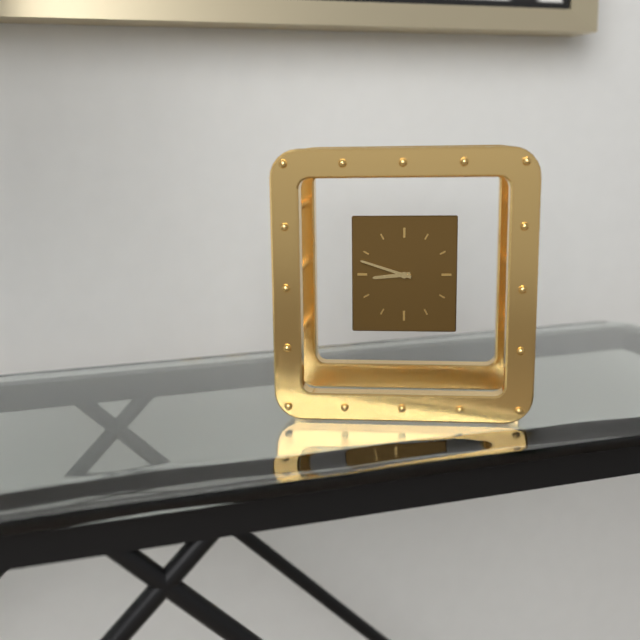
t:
8,48
